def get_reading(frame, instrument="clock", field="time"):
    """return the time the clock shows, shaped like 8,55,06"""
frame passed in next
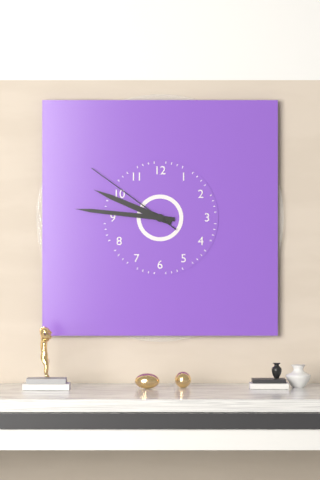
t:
9,46,51
